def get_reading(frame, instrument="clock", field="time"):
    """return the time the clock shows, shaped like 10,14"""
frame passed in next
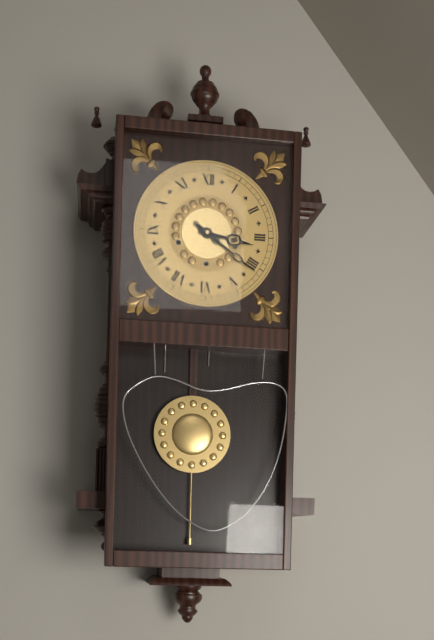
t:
3,21
